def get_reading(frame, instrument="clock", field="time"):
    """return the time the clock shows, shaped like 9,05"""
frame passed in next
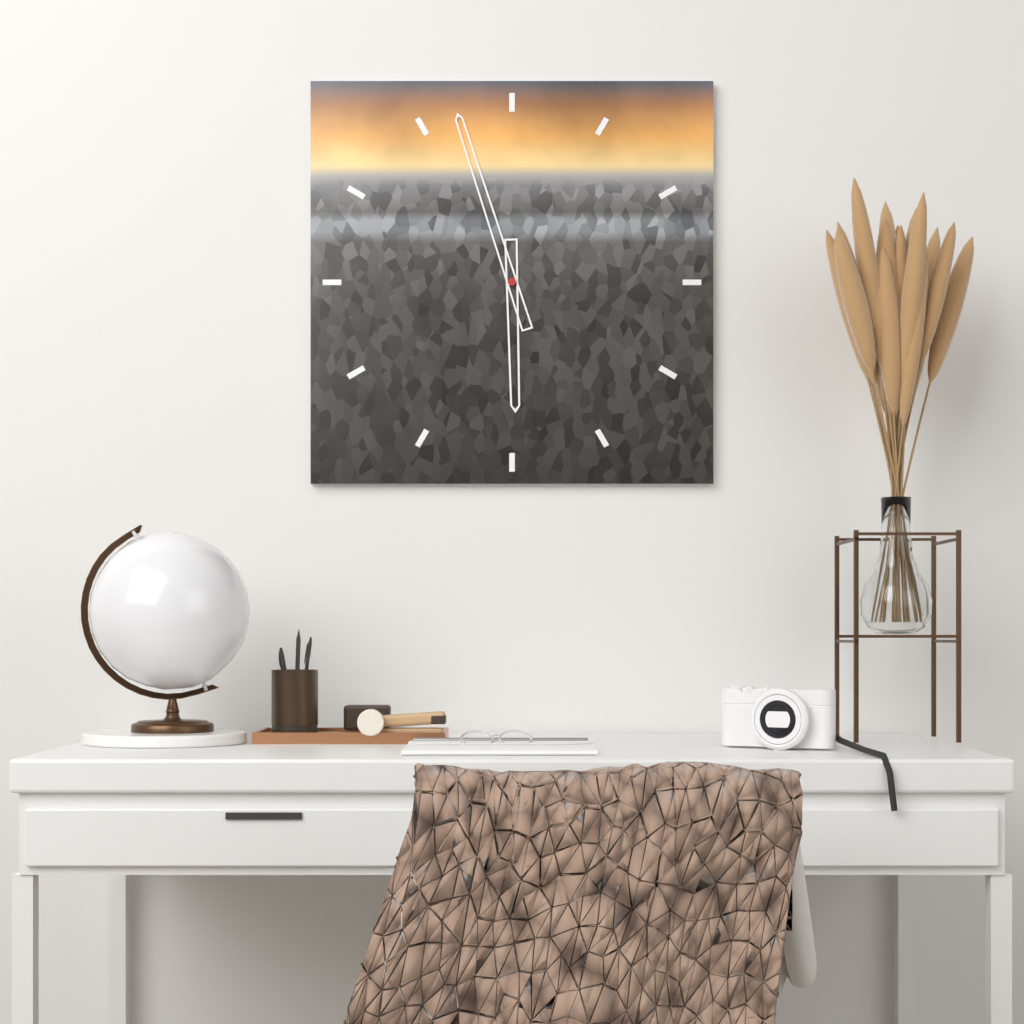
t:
5,57
